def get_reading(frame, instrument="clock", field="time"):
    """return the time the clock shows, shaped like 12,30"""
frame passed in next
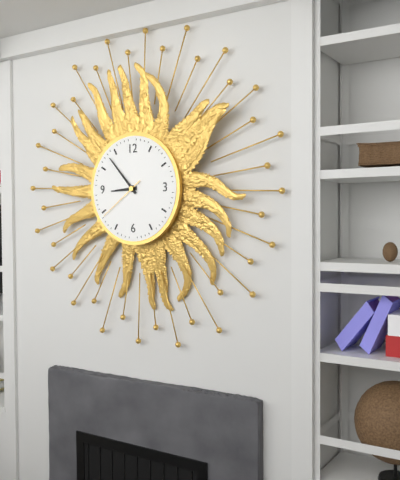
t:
8,53
